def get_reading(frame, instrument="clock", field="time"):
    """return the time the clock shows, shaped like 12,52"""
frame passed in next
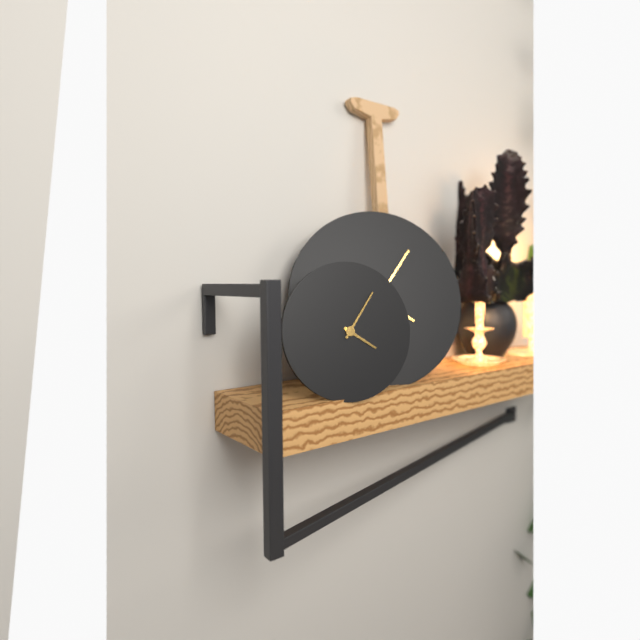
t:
4,06
